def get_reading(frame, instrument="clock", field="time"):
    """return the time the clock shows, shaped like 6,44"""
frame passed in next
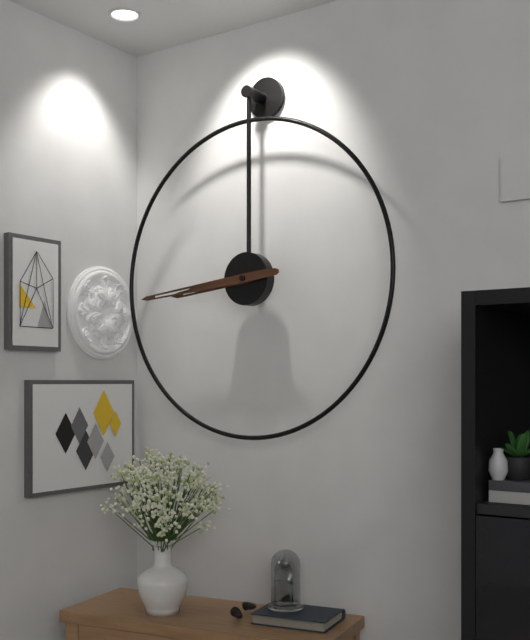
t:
8,44
